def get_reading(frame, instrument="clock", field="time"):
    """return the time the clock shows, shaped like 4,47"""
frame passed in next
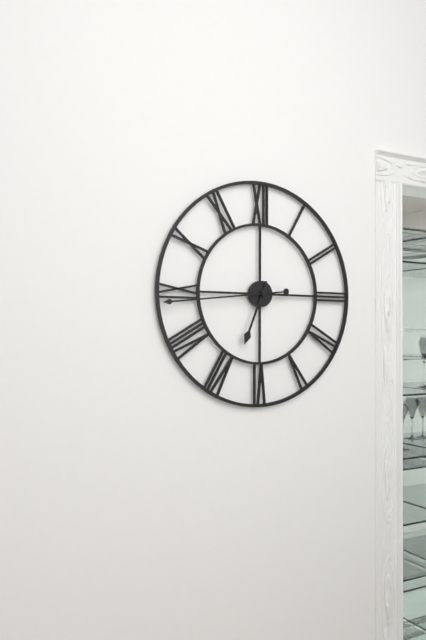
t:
6,44
